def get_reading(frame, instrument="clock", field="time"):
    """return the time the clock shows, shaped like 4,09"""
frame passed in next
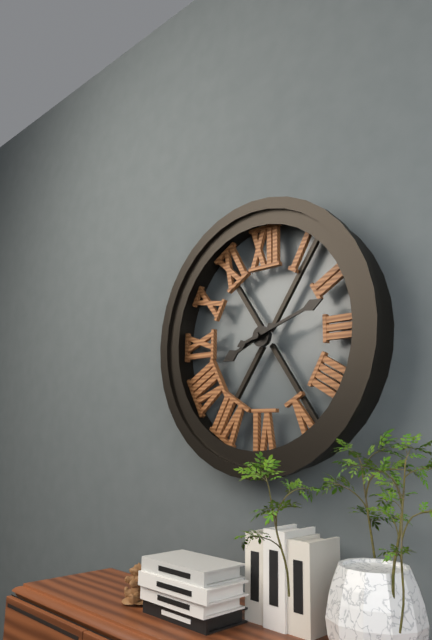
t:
8,12
